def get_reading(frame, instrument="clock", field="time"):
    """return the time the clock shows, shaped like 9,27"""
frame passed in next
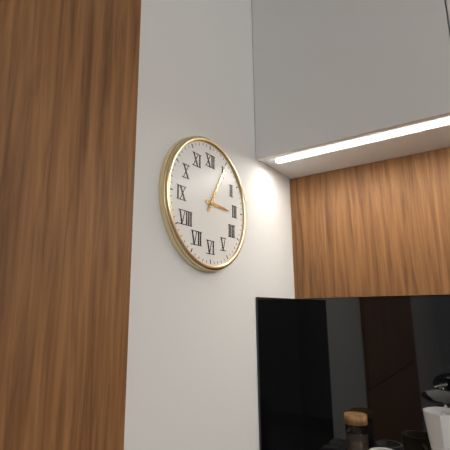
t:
3,05
